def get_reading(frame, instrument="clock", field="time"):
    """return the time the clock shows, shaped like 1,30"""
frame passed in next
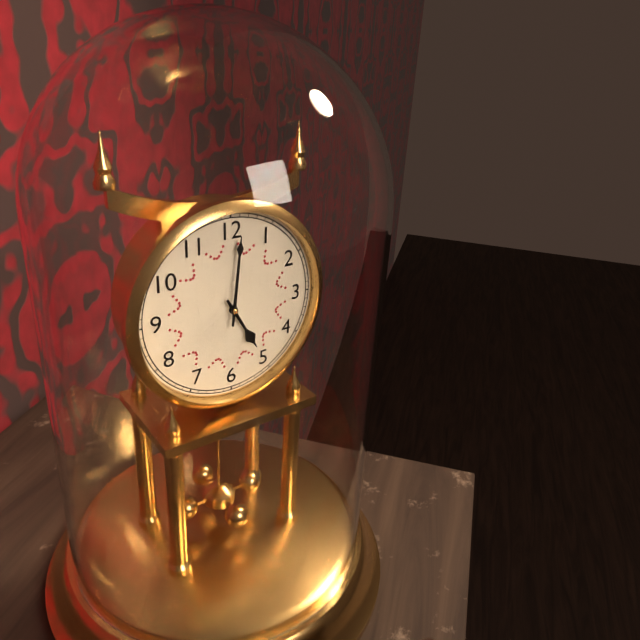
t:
5,01
